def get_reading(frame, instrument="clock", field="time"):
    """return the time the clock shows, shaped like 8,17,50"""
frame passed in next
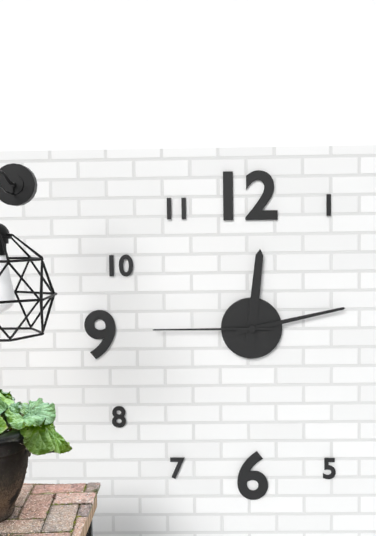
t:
12,13,45
